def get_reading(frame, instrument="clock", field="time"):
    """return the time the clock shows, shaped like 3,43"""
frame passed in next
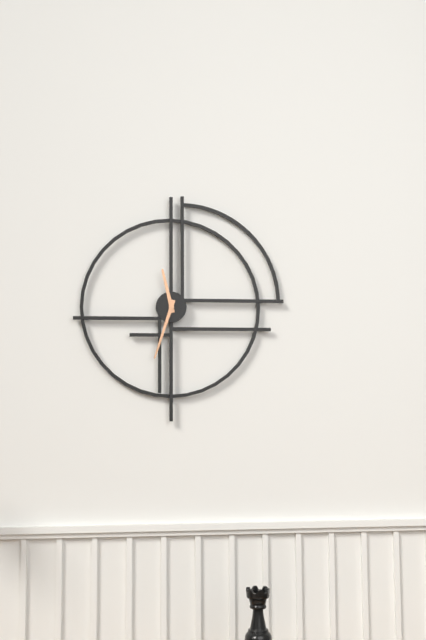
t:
11,33
